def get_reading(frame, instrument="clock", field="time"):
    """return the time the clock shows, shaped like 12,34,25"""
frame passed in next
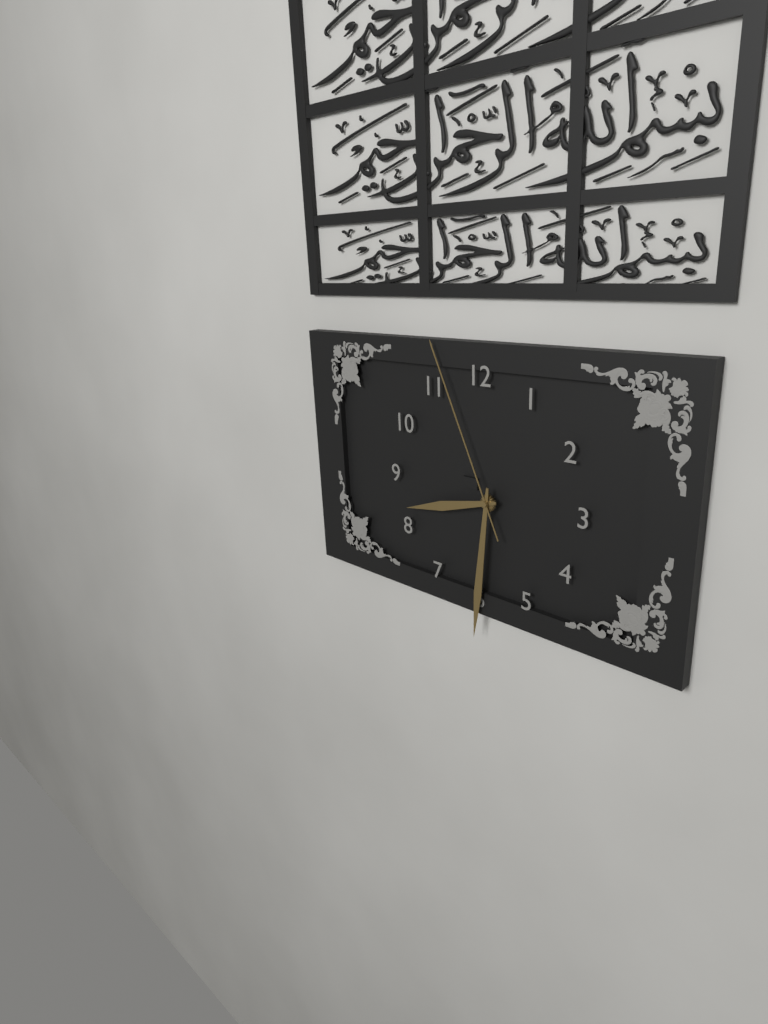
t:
8,31,56
